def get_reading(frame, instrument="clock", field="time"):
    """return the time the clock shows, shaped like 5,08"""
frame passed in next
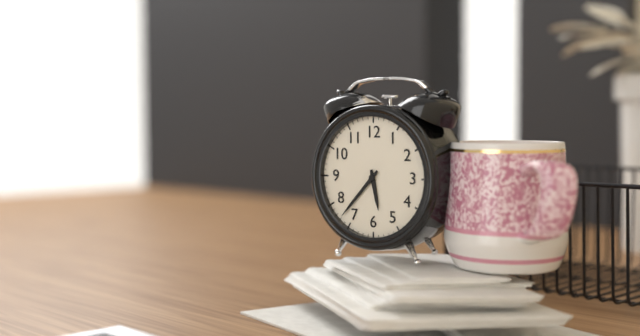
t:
5,37
